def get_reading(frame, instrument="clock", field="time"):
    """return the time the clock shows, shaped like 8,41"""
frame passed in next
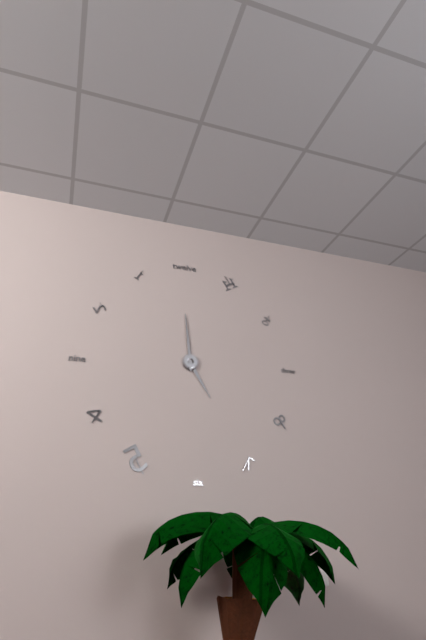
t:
4,59
